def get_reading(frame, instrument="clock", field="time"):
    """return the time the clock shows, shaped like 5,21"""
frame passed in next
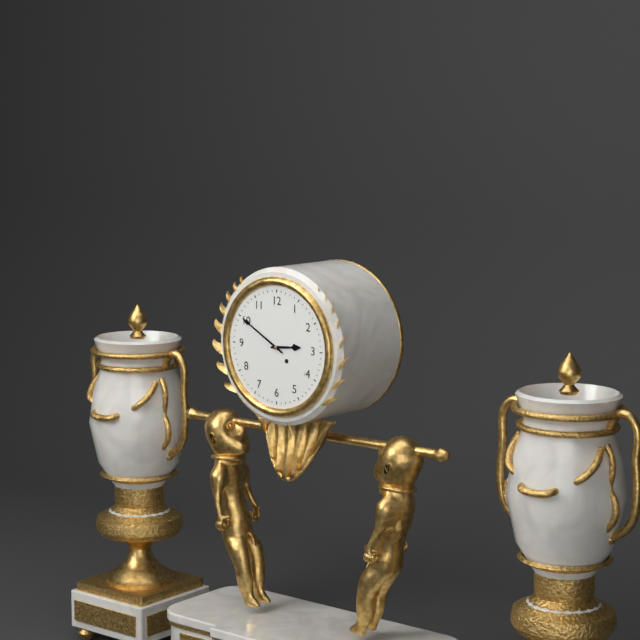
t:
2,50
